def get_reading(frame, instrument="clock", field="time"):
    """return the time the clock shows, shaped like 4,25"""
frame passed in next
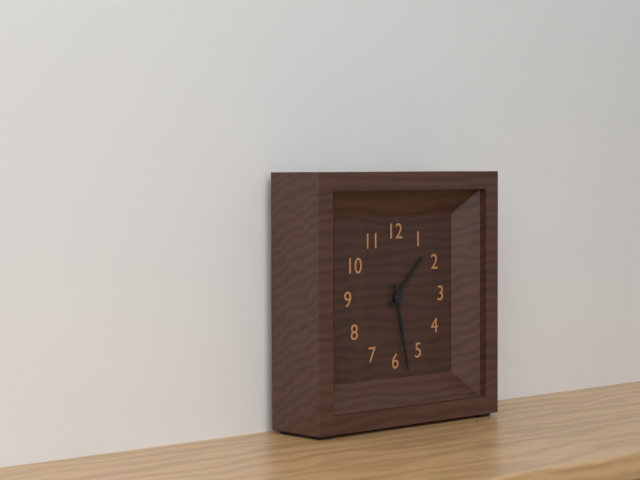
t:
1,28
